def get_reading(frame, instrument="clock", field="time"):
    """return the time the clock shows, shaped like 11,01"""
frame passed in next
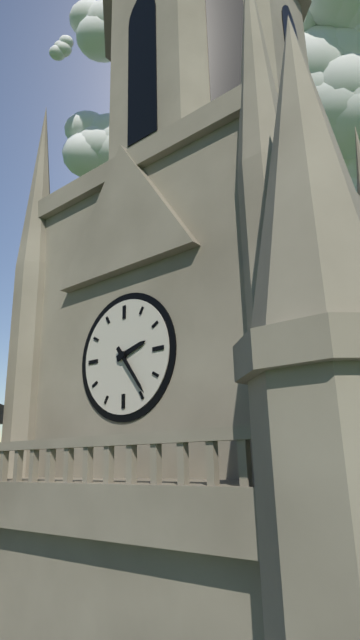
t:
2,24
